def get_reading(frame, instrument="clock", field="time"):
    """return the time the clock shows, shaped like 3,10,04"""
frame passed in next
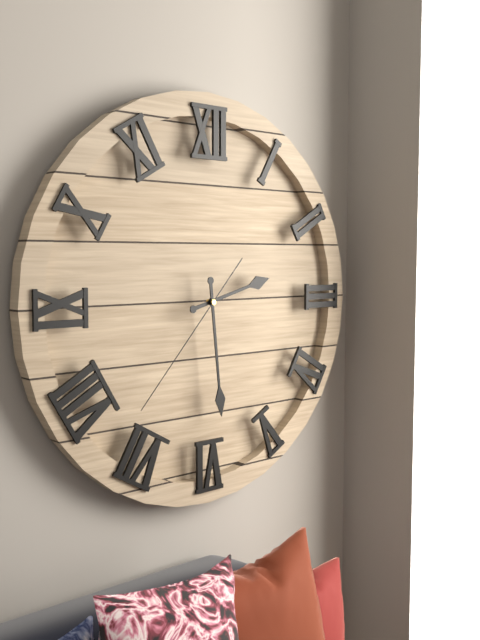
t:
2,29,37
